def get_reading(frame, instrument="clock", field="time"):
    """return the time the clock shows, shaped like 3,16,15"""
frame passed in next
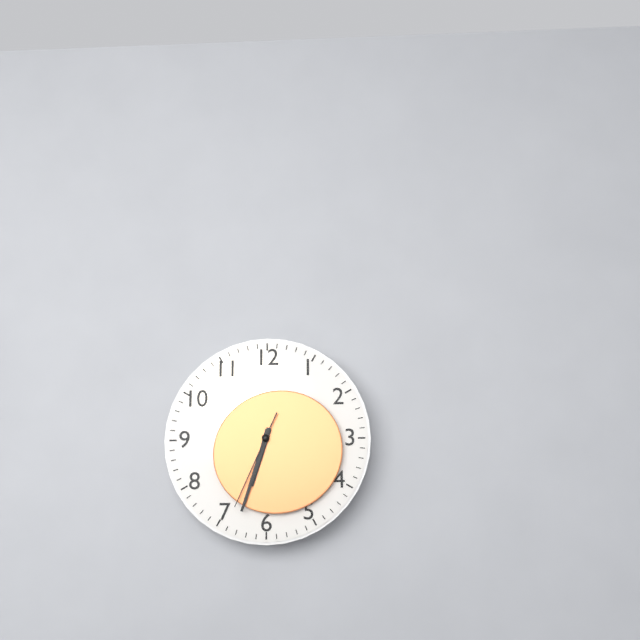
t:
6,33,34
